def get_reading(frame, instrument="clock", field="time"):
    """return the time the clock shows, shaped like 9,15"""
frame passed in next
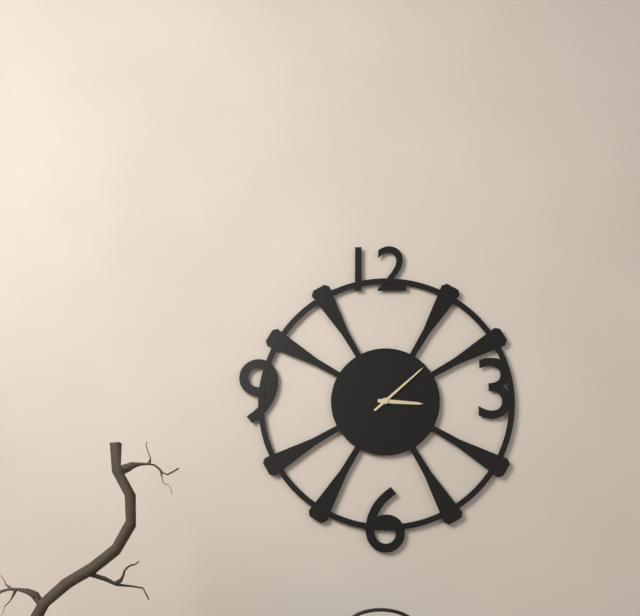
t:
3,08
